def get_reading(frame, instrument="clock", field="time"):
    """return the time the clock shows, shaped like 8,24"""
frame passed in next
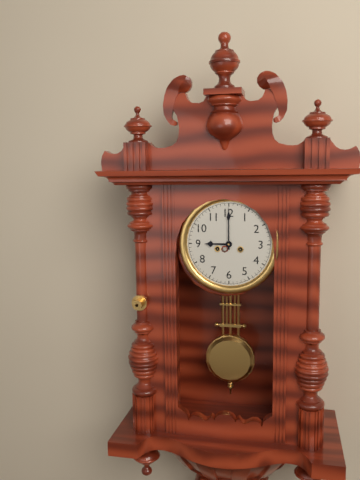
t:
9,00
